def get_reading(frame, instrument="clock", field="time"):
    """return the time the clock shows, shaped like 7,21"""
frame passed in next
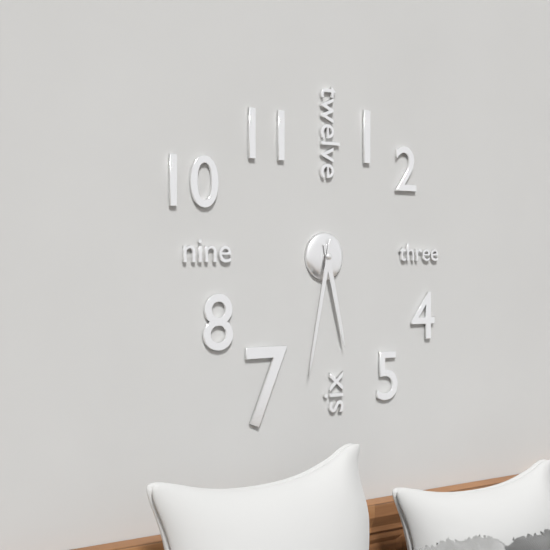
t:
5,32
